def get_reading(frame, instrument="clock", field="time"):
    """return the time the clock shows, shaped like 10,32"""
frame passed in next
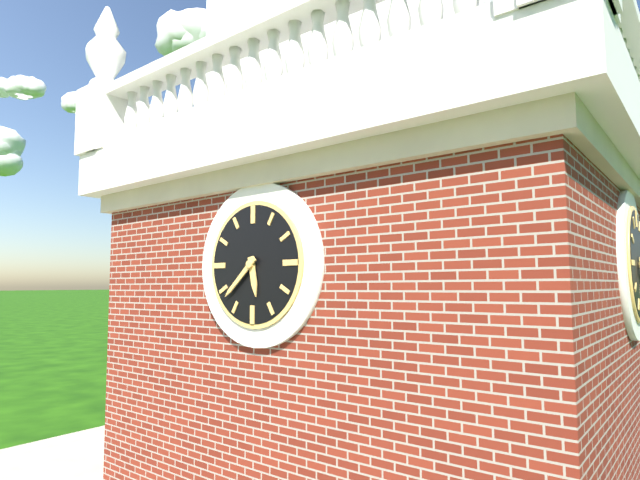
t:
5,38
